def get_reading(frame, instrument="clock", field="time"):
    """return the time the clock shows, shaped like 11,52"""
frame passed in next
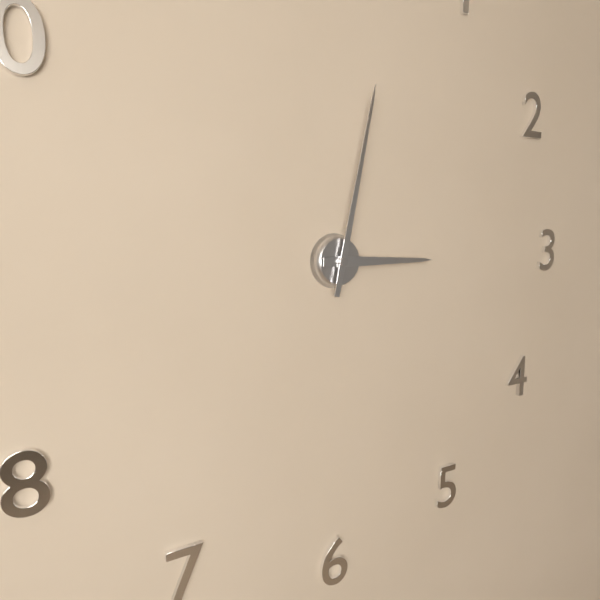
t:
3,02
